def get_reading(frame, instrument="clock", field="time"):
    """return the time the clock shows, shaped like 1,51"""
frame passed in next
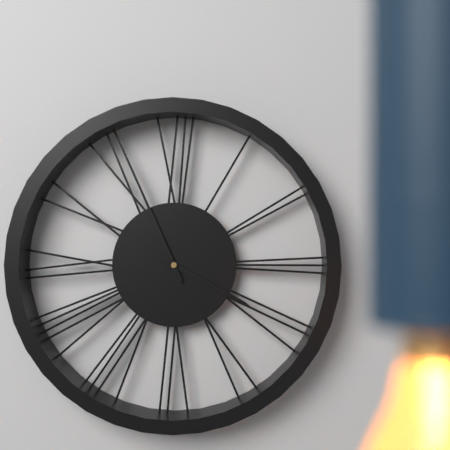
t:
3,56
